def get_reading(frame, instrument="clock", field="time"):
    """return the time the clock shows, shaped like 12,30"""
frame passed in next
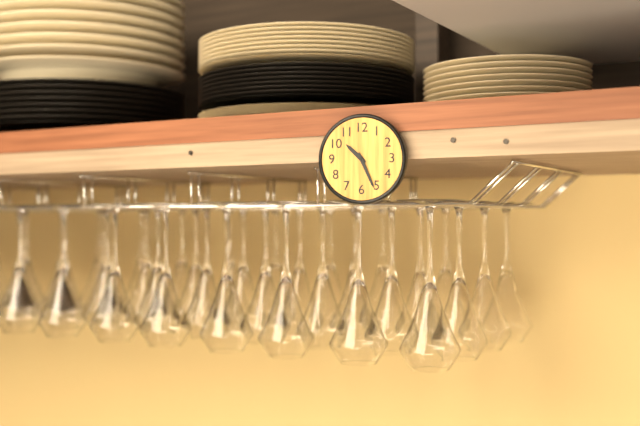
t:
10,26
